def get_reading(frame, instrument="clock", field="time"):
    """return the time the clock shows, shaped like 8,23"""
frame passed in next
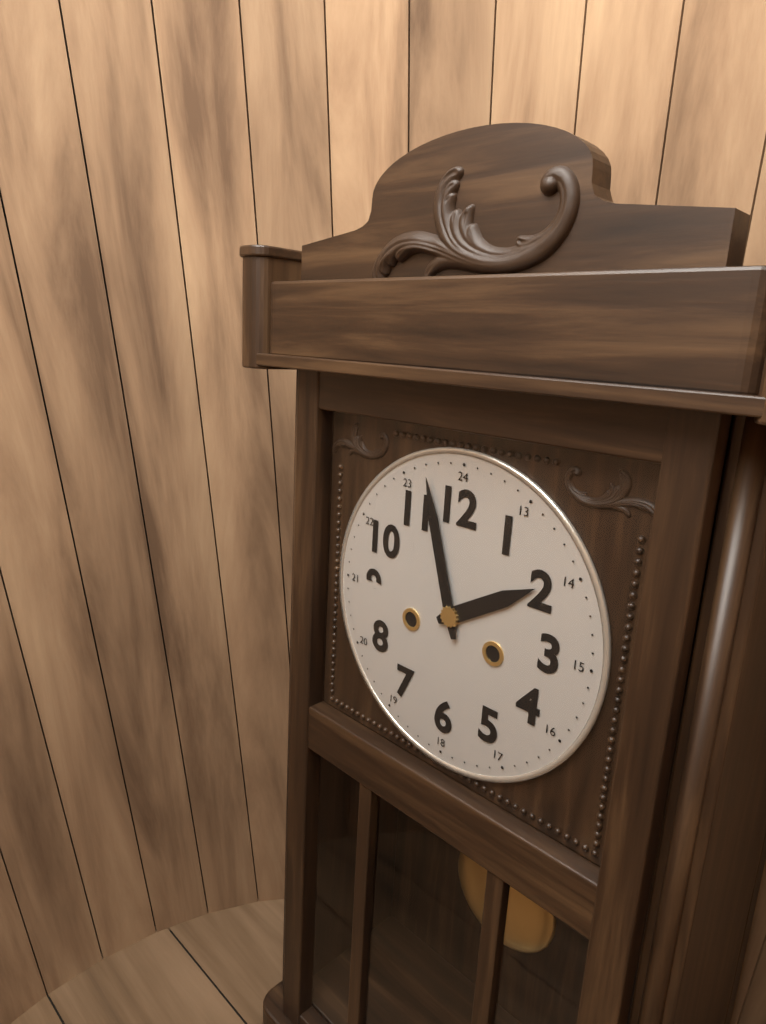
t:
1,57
